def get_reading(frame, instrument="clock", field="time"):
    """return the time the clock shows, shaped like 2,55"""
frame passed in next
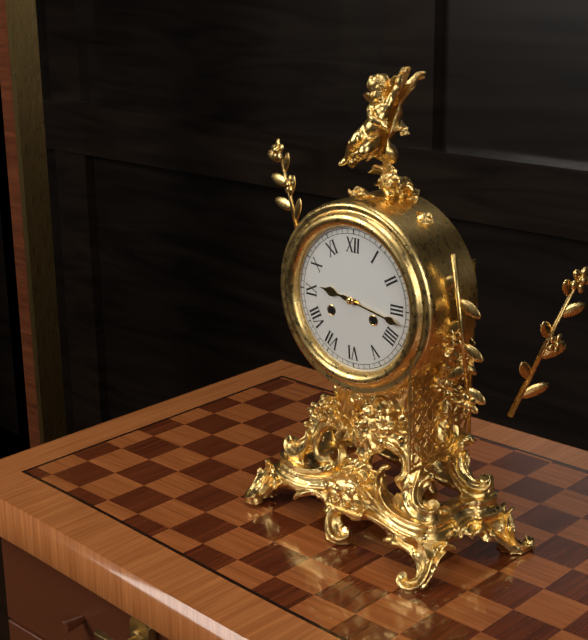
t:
9,17
